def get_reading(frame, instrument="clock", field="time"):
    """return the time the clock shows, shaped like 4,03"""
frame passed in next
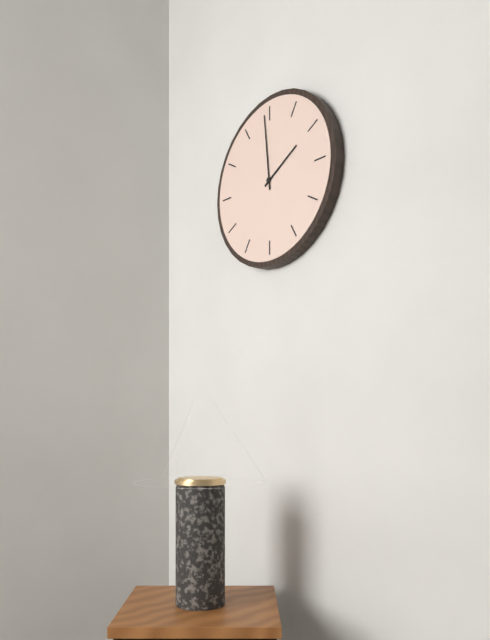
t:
1,59
